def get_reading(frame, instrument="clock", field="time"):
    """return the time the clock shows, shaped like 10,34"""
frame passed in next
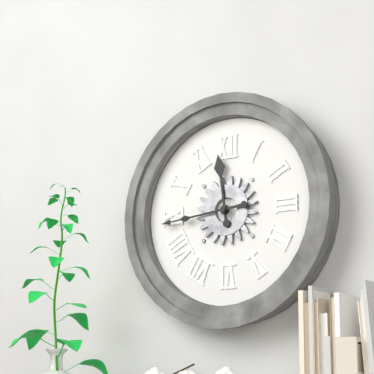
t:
11,44
